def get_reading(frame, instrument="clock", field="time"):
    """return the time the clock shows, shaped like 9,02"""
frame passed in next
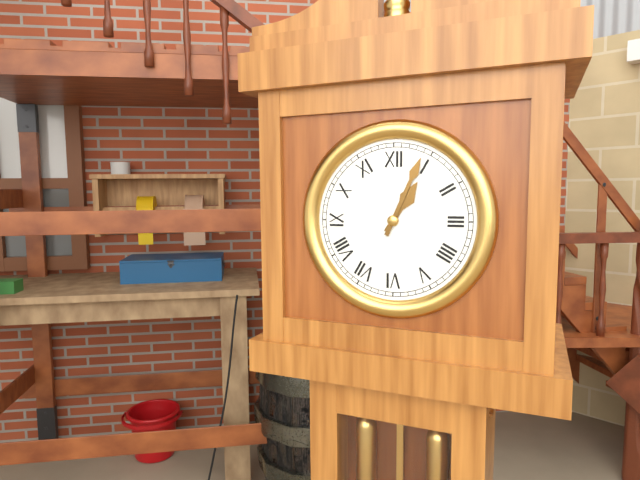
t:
1,04
